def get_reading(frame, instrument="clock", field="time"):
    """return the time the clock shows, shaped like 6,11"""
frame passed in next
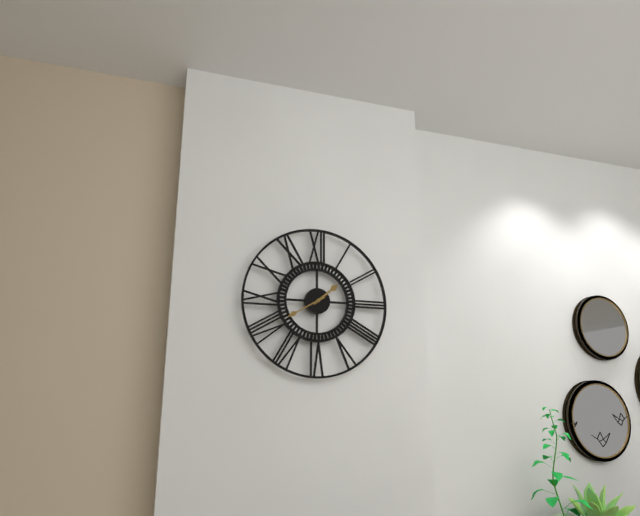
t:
1,40
